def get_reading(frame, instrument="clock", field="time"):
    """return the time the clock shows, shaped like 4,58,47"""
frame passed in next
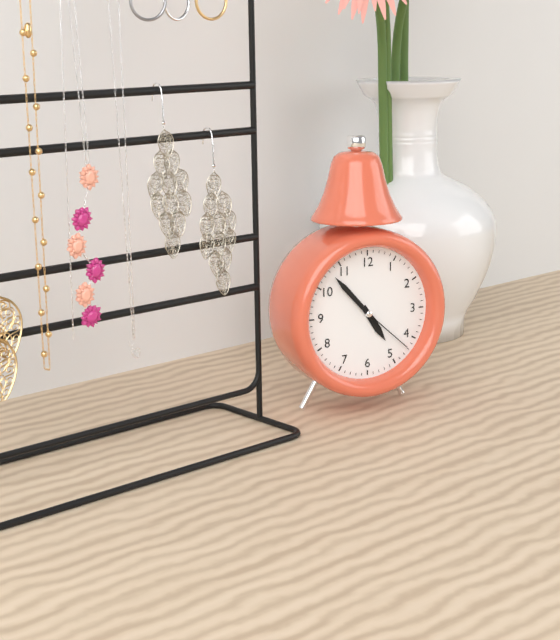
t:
4,53,22
